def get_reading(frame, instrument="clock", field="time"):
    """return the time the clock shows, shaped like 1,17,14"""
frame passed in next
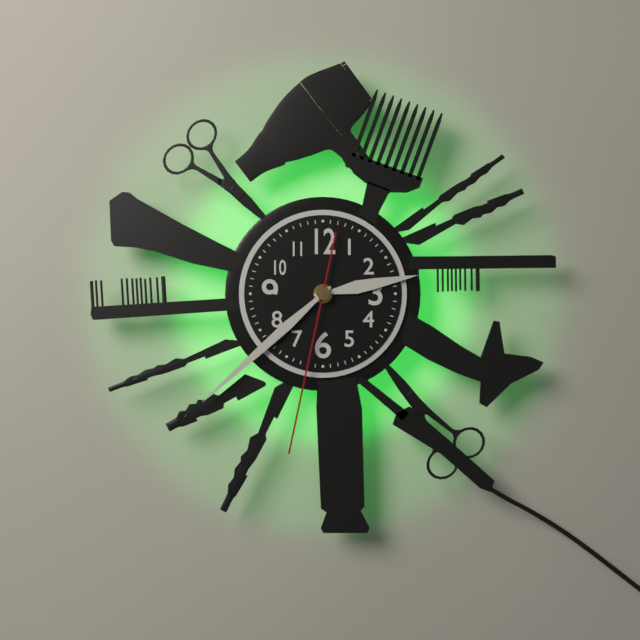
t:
2,38,32
